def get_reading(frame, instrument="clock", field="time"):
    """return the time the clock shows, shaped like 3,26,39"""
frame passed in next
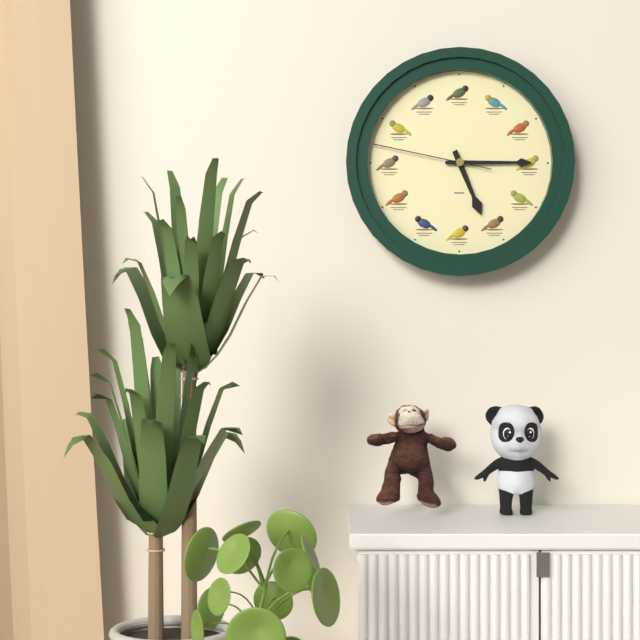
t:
5,15,47
